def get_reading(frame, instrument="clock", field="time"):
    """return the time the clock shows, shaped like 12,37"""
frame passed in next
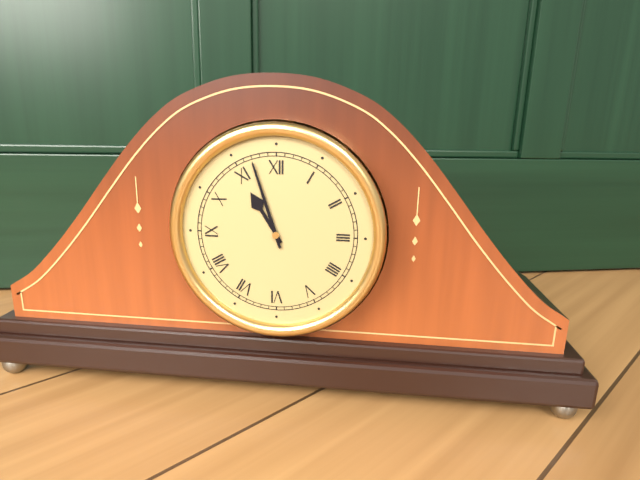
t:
10,57
